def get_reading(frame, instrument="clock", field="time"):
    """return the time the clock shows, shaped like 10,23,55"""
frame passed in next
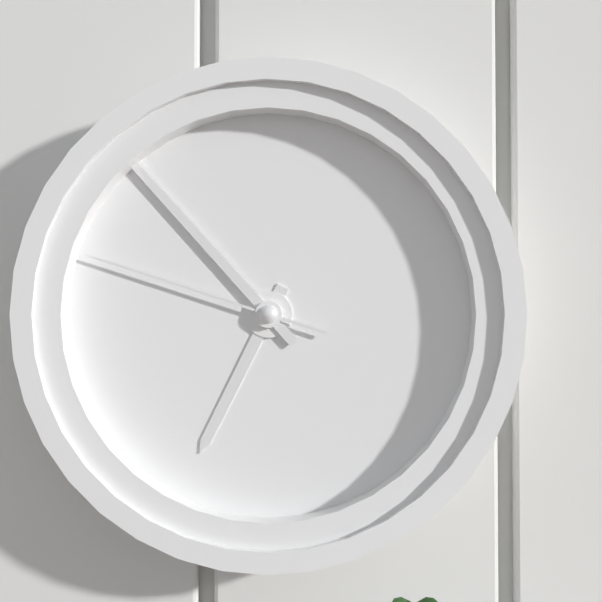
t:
6,53,48
